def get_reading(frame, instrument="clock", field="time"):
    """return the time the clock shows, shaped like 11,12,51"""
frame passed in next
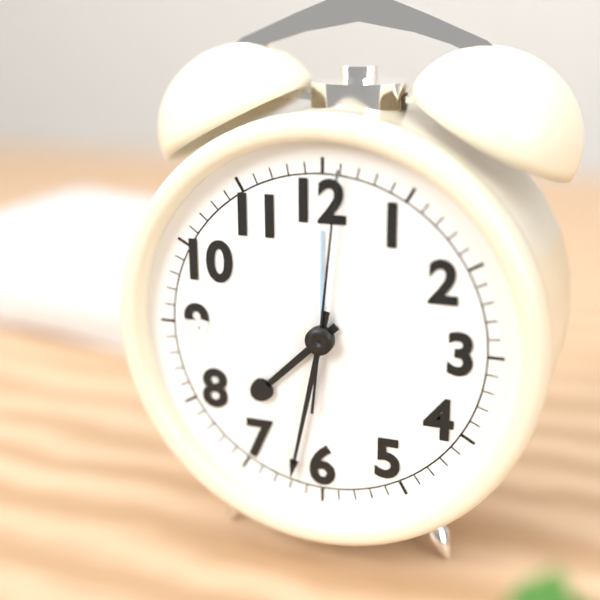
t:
7,32,01
